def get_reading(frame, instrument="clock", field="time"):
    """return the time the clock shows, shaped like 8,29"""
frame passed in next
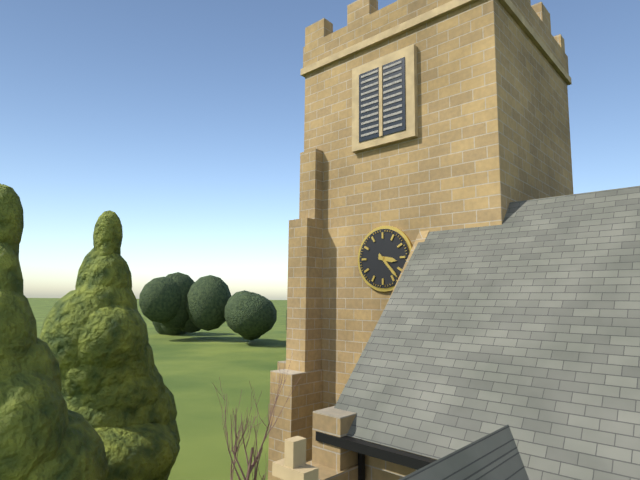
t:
3,23
